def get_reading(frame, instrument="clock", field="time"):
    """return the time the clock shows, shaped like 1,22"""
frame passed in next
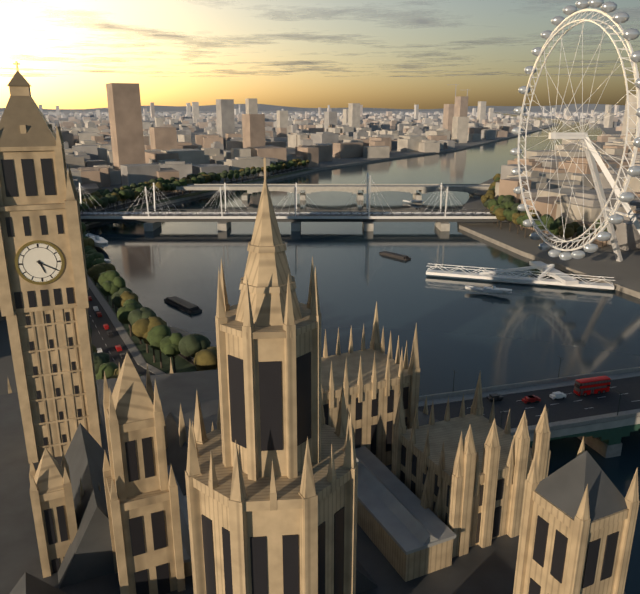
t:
5,20
